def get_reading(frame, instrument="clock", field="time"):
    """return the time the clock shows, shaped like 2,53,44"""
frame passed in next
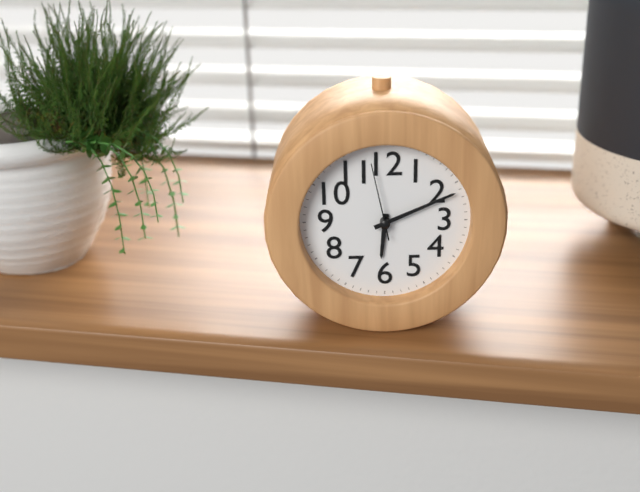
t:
6,11,58
